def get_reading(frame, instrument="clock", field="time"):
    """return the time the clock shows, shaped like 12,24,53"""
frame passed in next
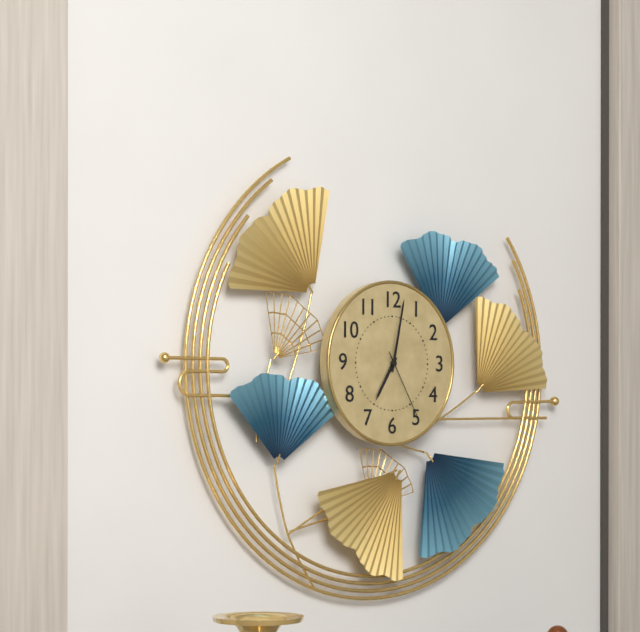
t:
7,02,25
